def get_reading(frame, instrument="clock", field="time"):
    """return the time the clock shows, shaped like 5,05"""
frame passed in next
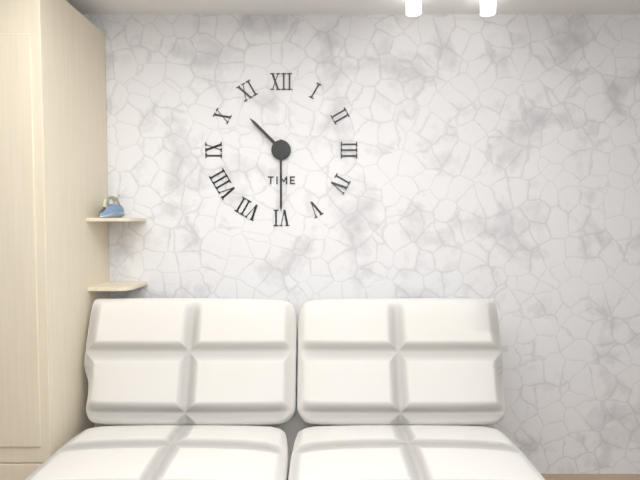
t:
10,30
